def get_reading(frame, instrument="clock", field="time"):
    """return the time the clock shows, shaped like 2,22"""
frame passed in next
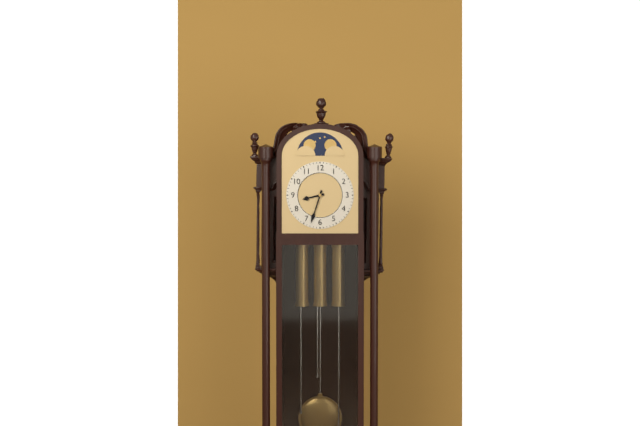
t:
8,33
